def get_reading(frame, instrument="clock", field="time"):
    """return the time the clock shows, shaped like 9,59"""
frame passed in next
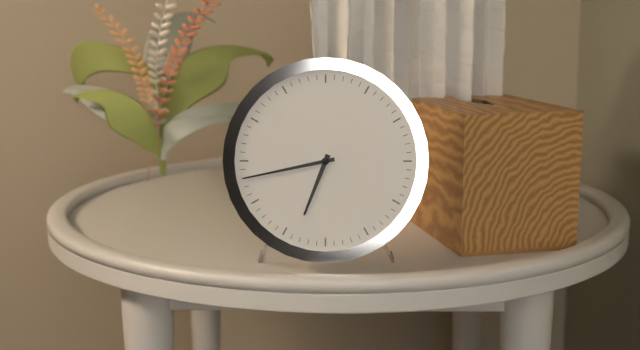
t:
6,43
